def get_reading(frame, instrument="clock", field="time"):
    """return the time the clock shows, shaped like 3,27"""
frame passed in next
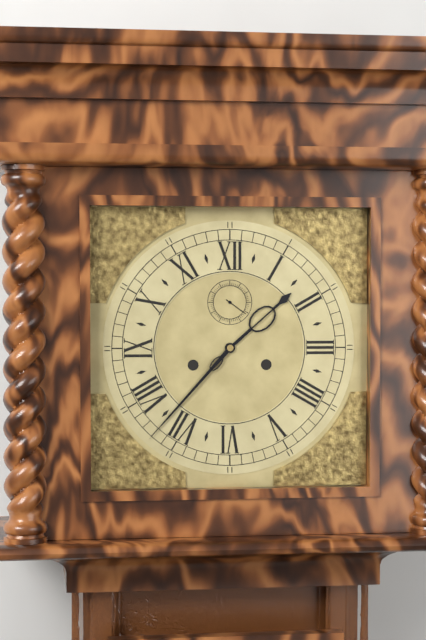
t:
1,37
